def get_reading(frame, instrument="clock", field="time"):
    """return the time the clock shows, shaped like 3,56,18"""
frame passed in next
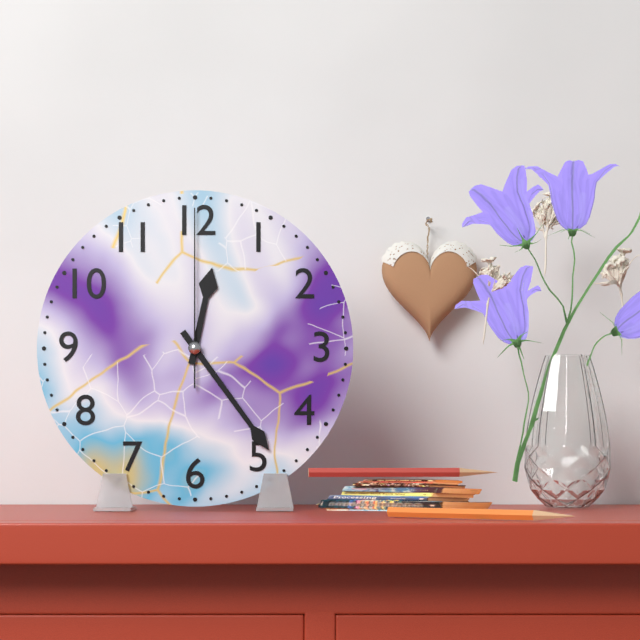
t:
12,24,00
